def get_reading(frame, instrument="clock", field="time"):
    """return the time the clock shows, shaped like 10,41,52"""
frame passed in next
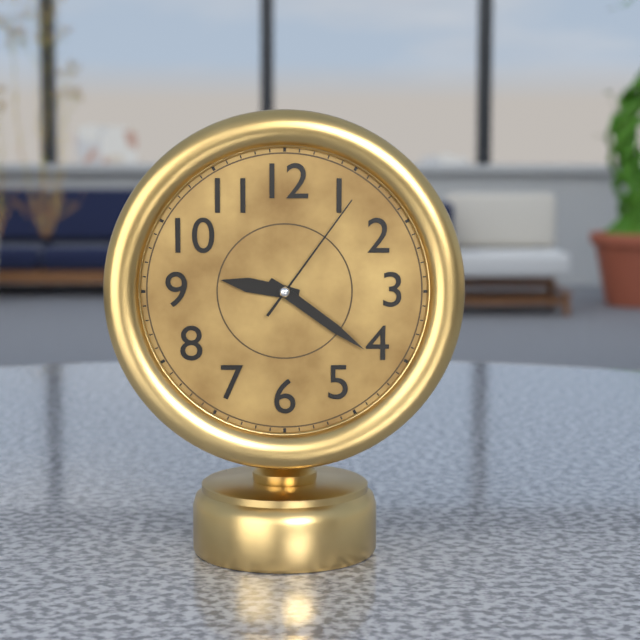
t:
9,21,06
